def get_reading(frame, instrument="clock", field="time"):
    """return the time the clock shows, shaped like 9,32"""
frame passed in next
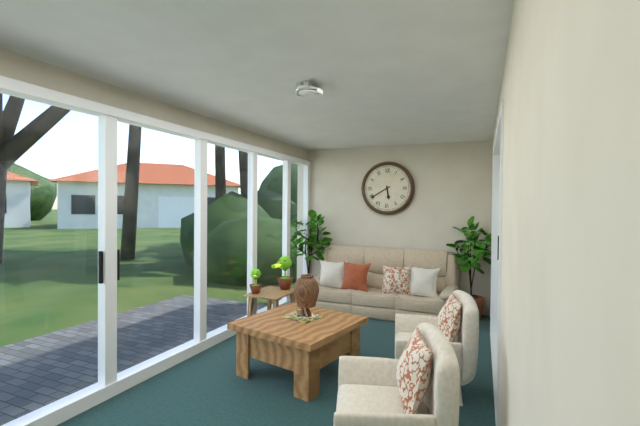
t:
5,40
